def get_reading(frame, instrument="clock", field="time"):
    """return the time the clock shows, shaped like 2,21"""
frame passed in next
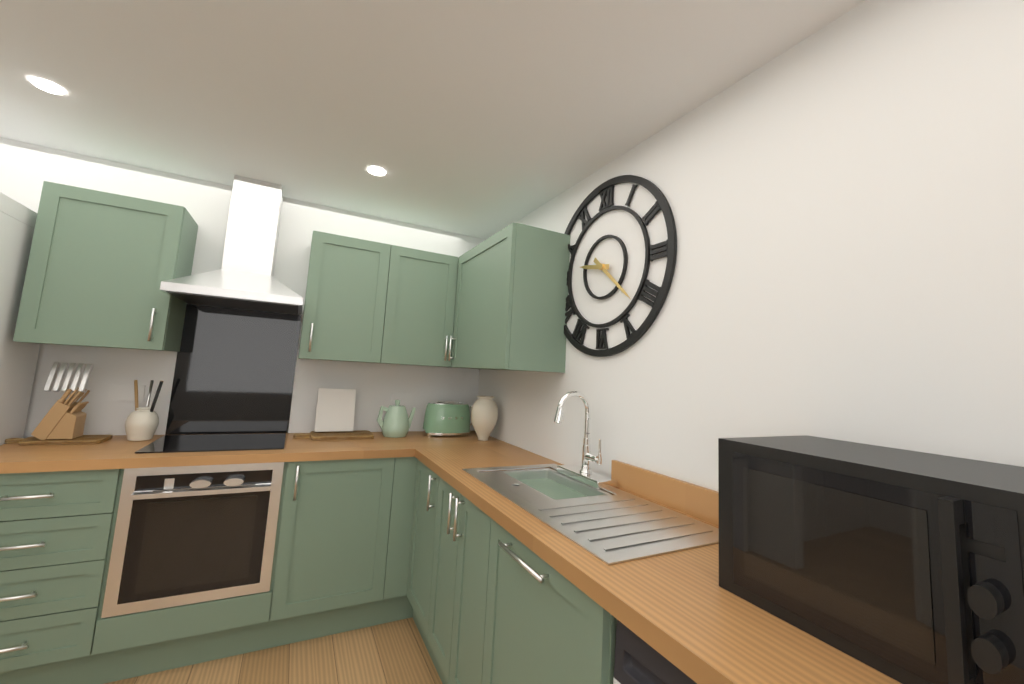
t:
9,22
